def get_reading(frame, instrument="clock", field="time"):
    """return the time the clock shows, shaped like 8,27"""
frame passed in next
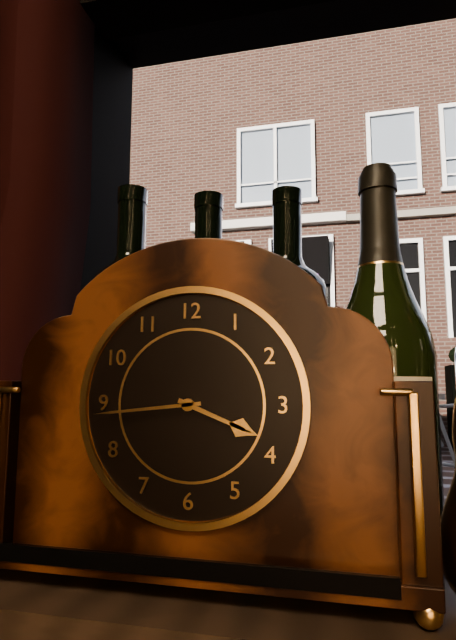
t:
3,44
